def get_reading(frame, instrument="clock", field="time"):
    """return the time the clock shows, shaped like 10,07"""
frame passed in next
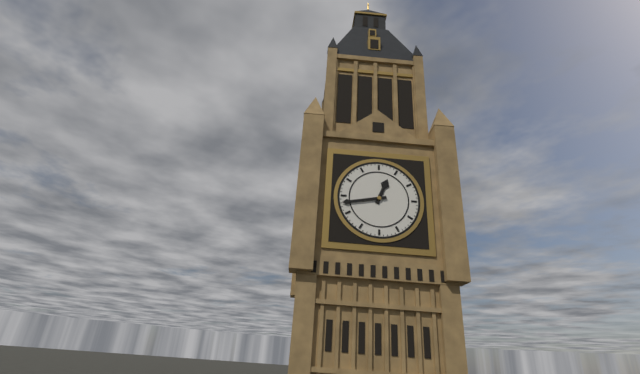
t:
12,43
